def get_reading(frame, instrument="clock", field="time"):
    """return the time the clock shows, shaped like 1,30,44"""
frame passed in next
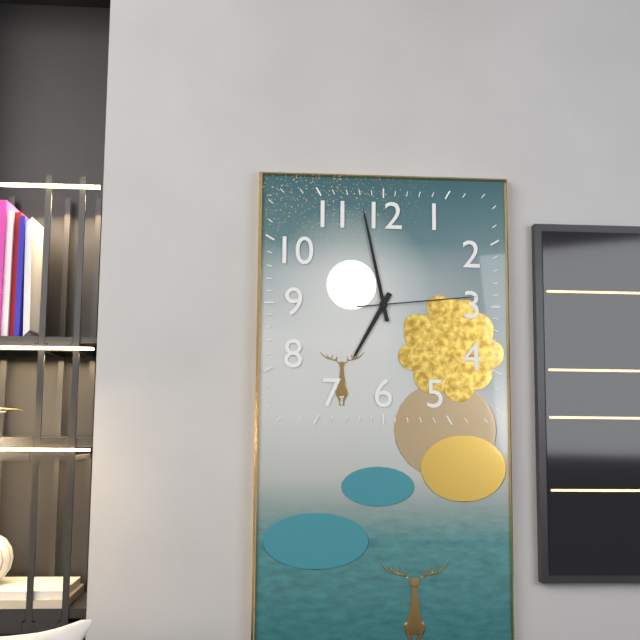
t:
6,58,14
